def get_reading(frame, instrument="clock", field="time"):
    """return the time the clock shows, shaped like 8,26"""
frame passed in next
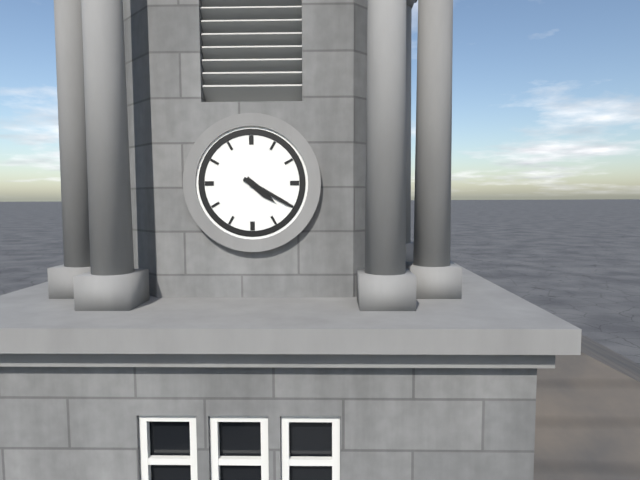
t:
4,20
